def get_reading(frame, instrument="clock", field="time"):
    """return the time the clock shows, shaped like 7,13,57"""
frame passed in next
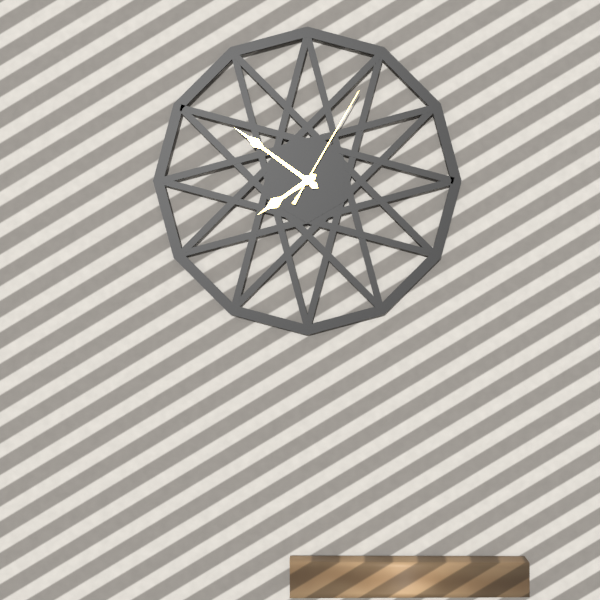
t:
7,51,05
